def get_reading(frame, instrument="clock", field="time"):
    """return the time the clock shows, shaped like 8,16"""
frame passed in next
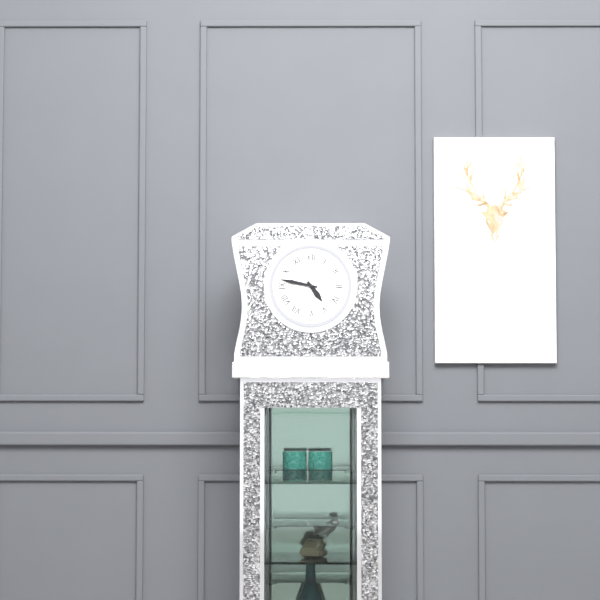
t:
4,47
